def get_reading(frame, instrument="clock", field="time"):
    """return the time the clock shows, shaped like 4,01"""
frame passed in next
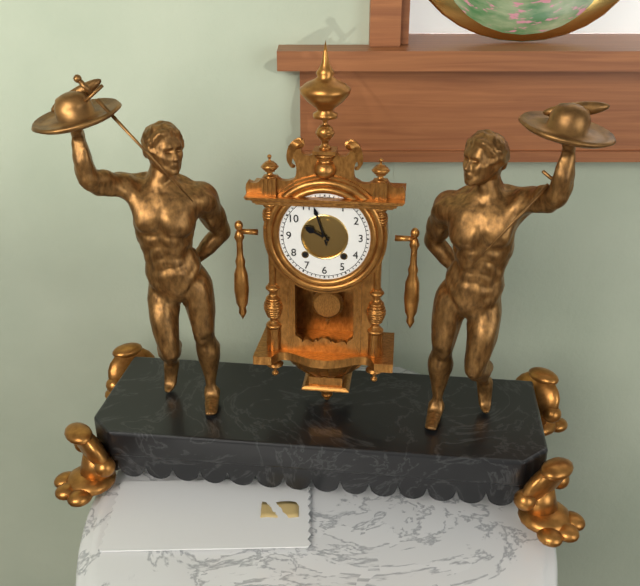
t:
9,57
